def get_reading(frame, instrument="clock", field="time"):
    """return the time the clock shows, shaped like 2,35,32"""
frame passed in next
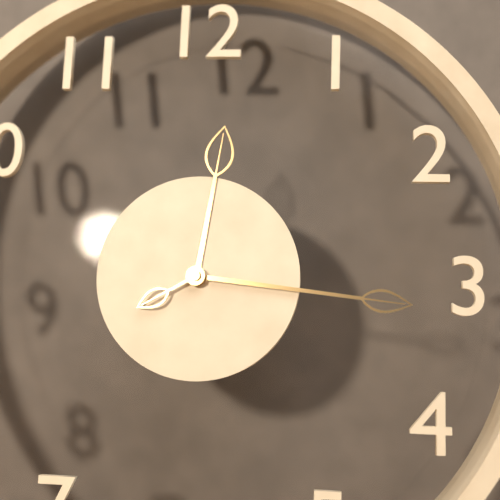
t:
12,16,40
